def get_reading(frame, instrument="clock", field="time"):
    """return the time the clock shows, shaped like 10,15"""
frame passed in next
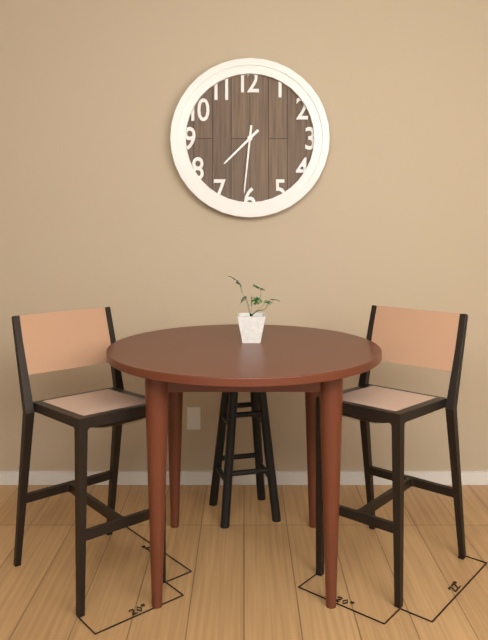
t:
7,31
